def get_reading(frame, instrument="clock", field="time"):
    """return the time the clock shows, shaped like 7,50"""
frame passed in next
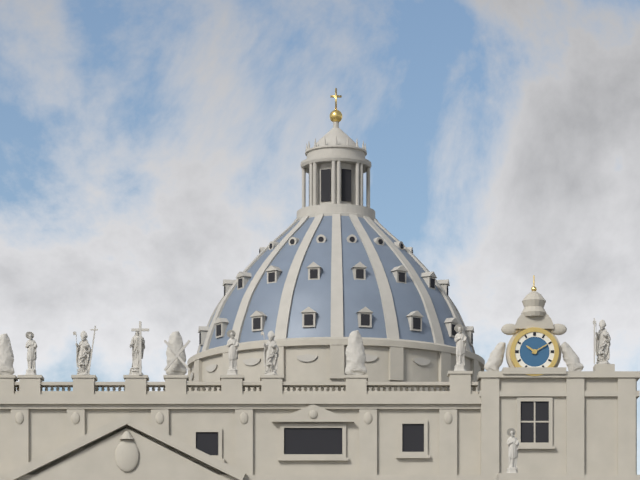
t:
10,10
